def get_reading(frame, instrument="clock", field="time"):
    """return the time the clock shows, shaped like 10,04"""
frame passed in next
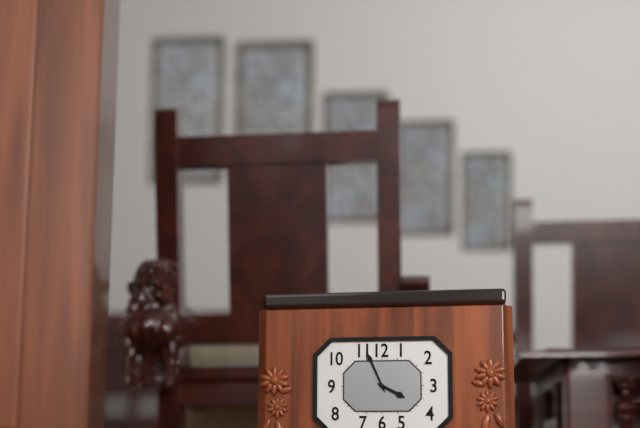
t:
3,56
